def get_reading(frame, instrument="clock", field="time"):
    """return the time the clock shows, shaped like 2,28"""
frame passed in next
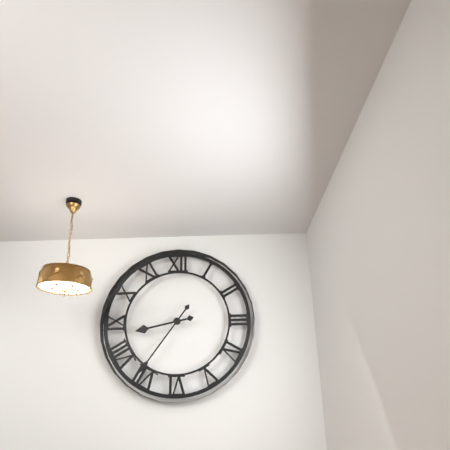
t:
8,36
